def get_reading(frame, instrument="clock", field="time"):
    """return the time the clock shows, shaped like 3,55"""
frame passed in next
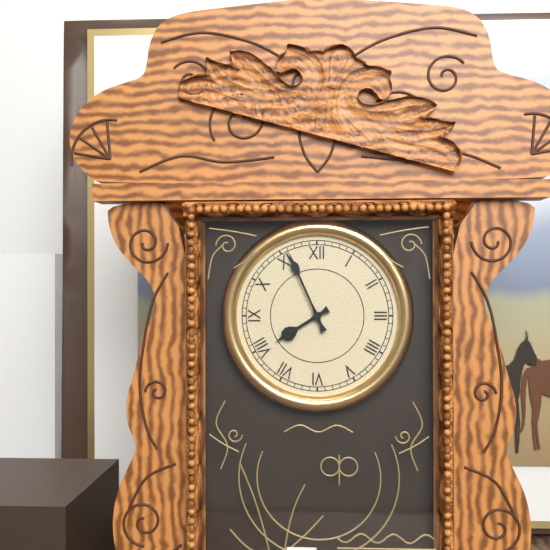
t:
7,56
